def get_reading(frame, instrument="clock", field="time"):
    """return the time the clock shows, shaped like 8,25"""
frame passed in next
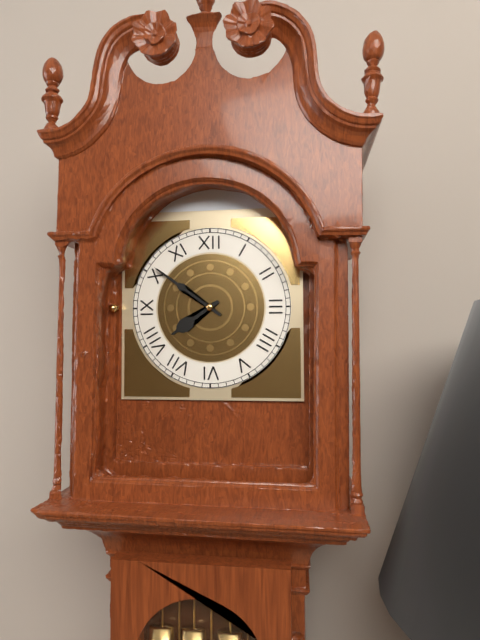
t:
7,51
